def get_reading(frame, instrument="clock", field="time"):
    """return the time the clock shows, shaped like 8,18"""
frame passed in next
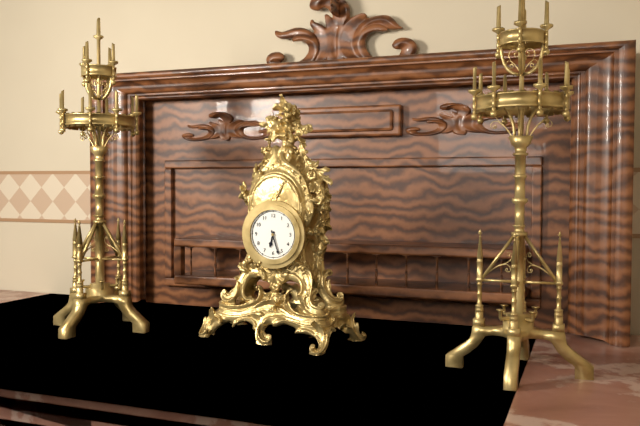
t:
6,27
